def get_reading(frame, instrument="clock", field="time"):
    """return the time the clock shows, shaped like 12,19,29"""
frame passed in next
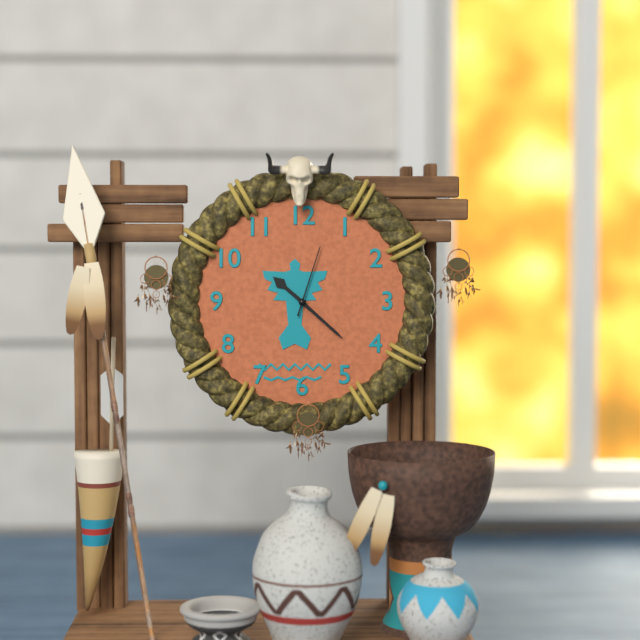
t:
10,22,03
